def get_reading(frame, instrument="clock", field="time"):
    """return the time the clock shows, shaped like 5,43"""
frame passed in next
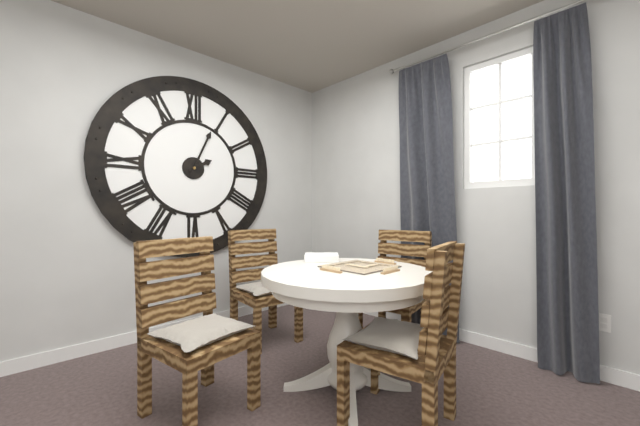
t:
2,04
